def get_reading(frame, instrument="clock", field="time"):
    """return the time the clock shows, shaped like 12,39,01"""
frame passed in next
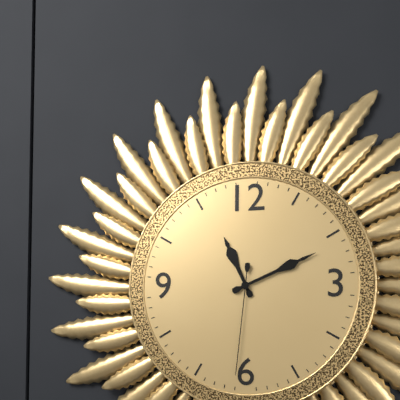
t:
11,11,31
